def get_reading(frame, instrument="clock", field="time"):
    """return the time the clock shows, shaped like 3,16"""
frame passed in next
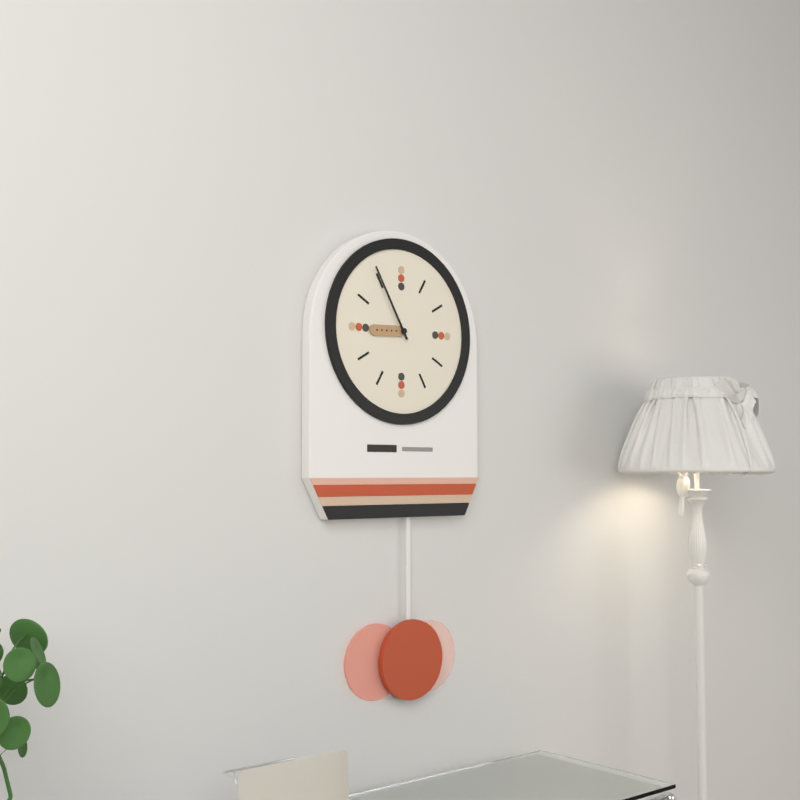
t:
8,55
